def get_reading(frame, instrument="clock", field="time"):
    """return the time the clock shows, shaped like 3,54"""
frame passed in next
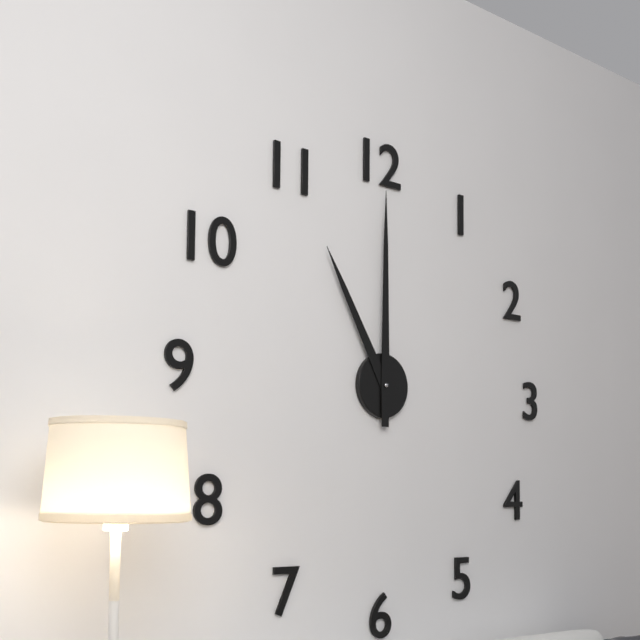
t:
11,00
